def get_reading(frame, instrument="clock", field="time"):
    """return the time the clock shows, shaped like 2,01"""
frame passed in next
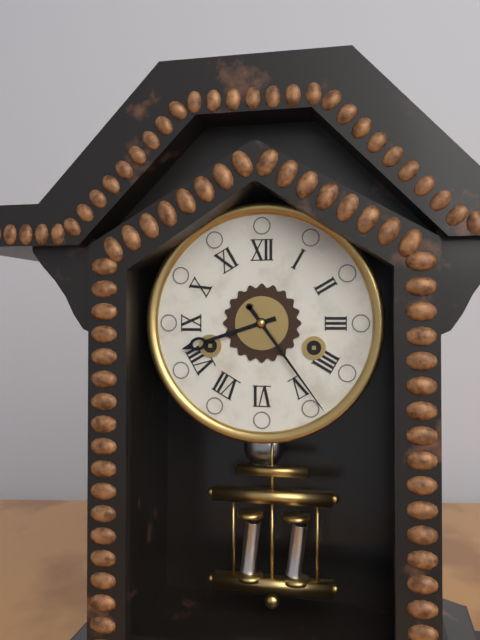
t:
8,24
